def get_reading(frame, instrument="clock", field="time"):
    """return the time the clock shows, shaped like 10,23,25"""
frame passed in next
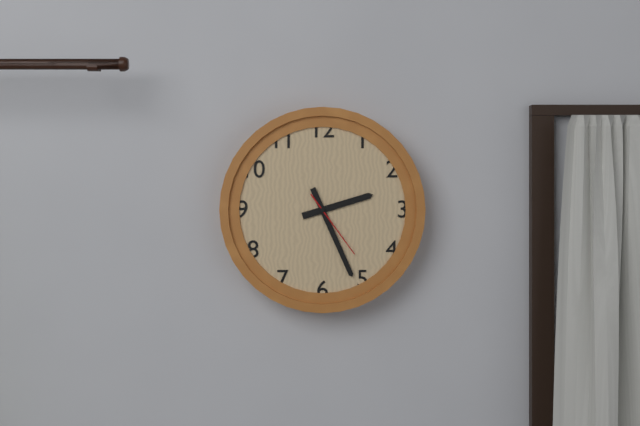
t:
2,26,24
